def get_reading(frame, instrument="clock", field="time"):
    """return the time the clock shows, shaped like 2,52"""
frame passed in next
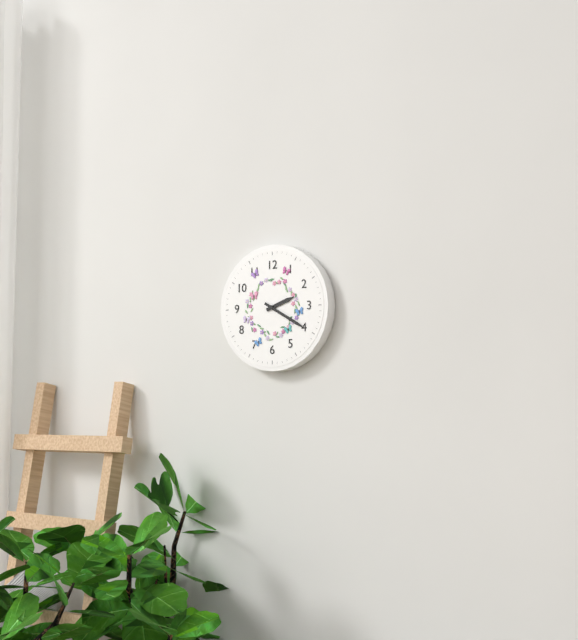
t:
2,20
